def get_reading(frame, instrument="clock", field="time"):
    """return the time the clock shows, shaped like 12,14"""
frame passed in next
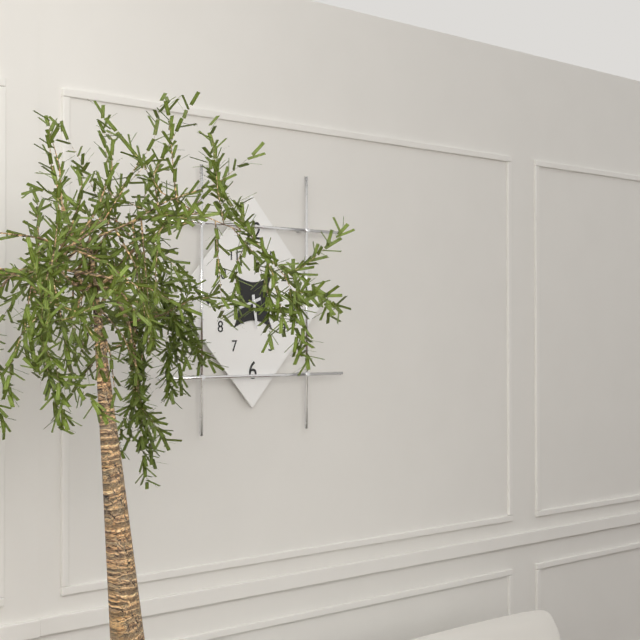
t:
5,42
